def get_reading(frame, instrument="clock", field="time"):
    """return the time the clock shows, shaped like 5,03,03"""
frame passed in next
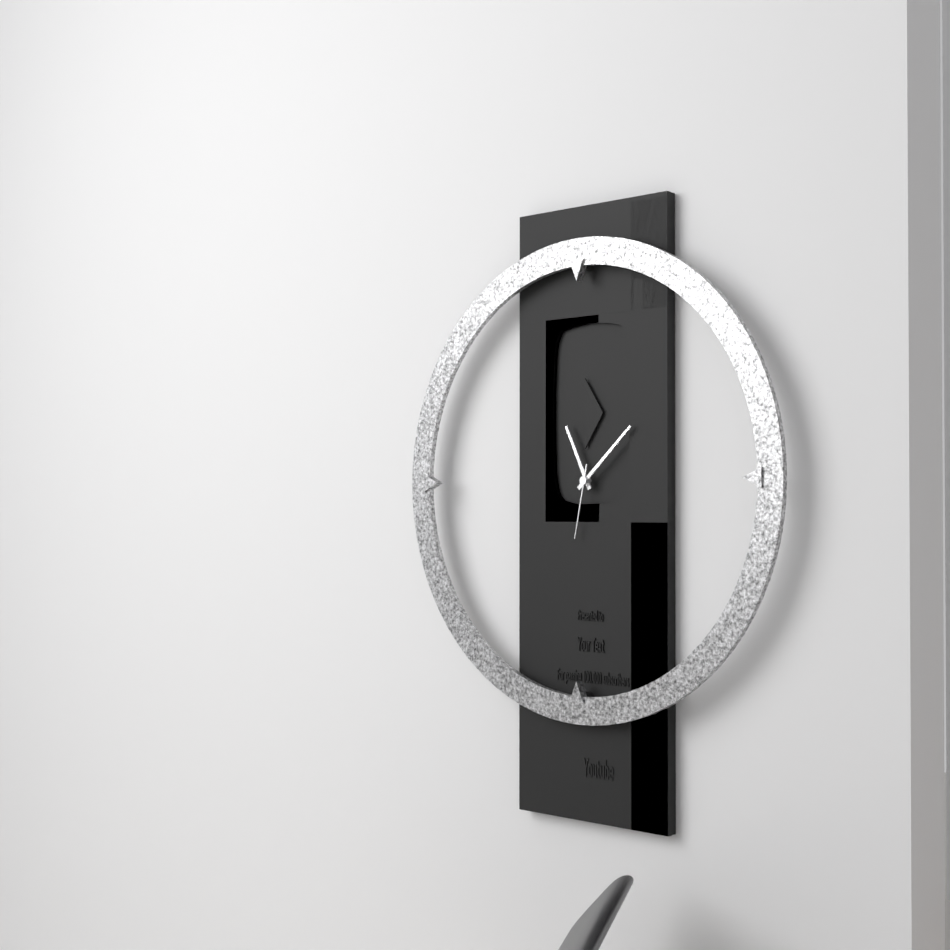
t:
11,08,32
